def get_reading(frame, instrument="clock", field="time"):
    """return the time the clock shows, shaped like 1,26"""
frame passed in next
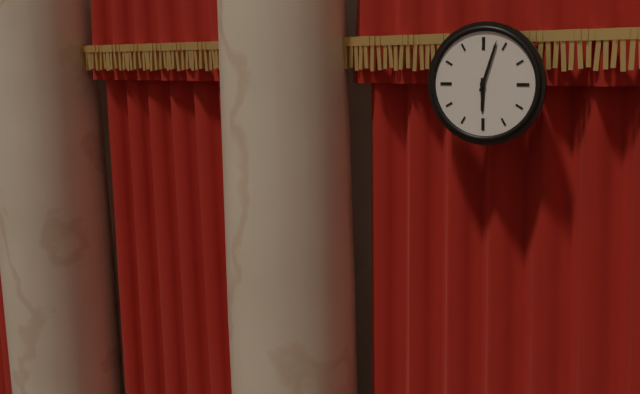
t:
6,03
